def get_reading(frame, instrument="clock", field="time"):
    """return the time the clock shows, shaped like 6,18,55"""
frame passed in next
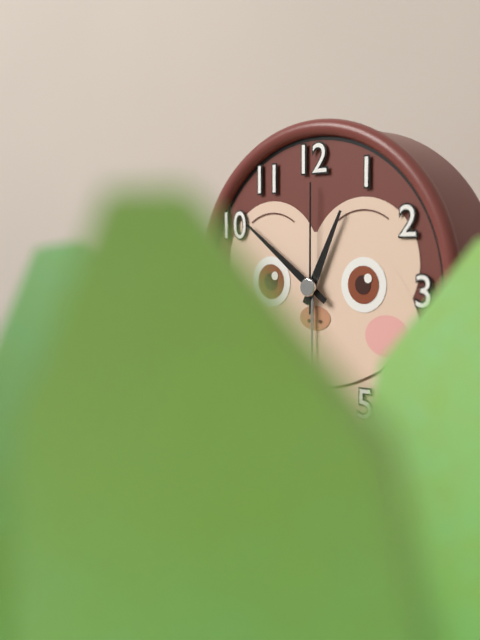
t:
12,51,00
